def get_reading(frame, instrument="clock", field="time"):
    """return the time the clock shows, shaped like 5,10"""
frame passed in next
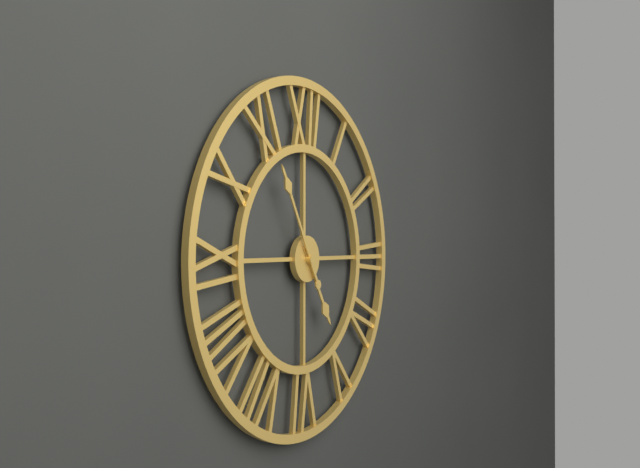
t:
4,55
